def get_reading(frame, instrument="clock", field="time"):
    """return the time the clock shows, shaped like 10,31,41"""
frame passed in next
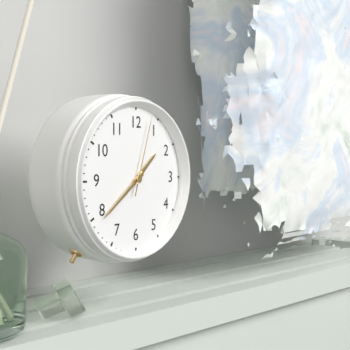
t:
1,39,03
